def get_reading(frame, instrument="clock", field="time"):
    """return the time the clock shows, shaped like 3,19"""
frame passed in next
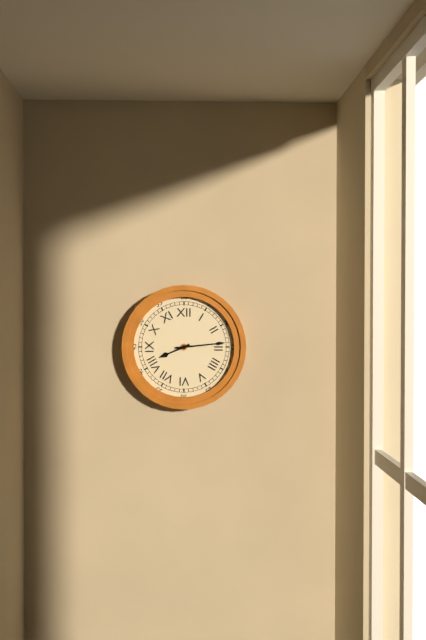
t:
8,14
